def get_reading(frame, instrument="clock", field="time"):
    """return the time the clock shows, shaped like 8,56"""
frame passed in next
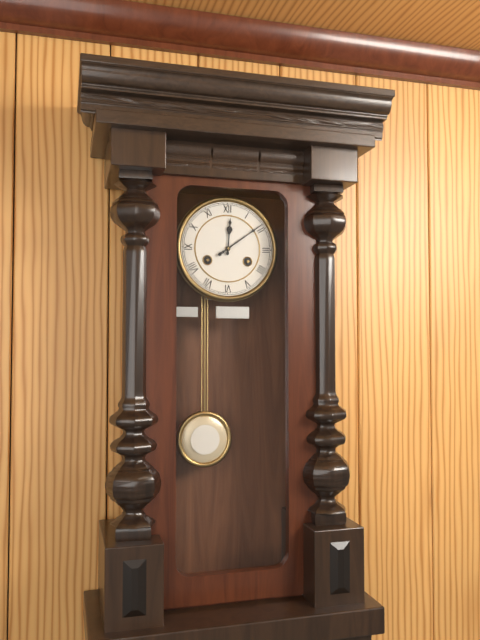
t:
12,09
